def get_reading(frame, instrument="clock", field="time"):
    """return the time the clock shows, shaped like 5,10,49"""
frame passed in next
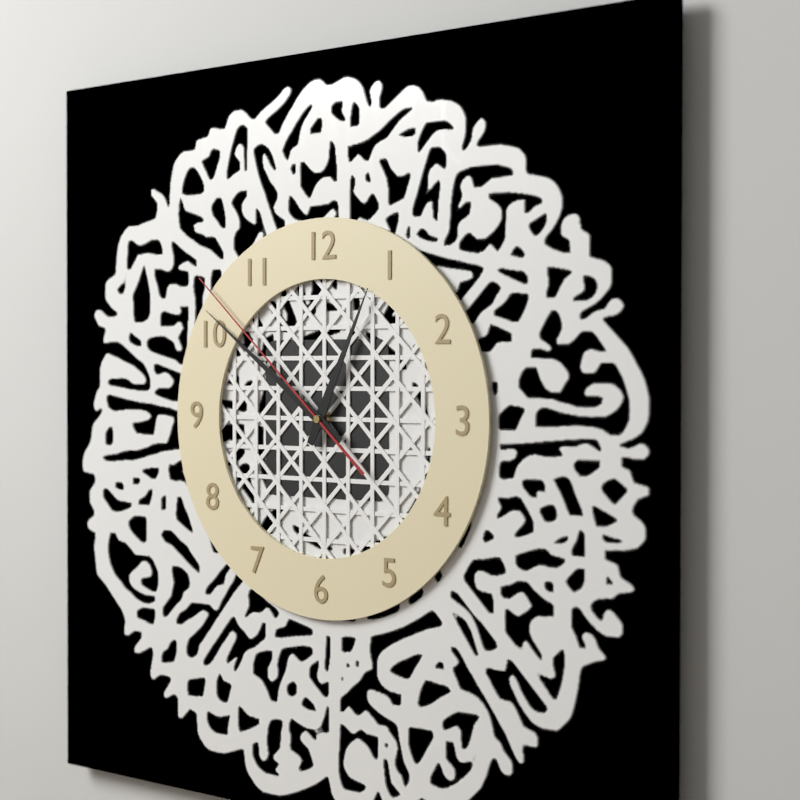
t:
12,51,52
